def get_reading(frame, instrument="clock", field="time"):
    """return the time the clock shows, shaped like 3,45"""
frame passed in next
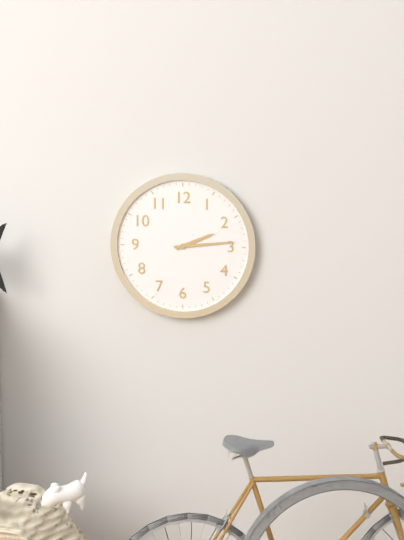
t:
2,14
